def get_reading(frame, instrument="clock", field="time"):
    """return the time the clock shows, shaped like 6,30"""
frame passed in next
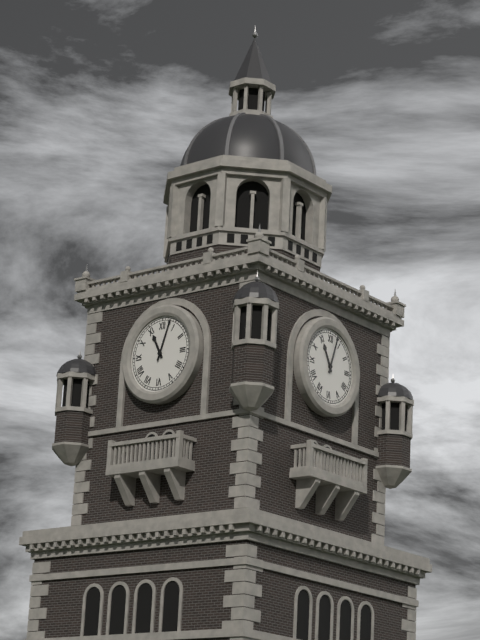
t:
11,03
